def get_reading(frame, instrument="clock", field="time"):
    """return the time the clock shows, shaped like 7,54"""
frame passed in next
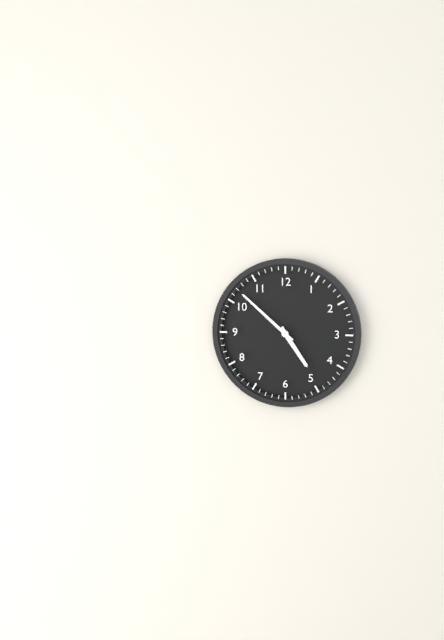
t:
4,52
